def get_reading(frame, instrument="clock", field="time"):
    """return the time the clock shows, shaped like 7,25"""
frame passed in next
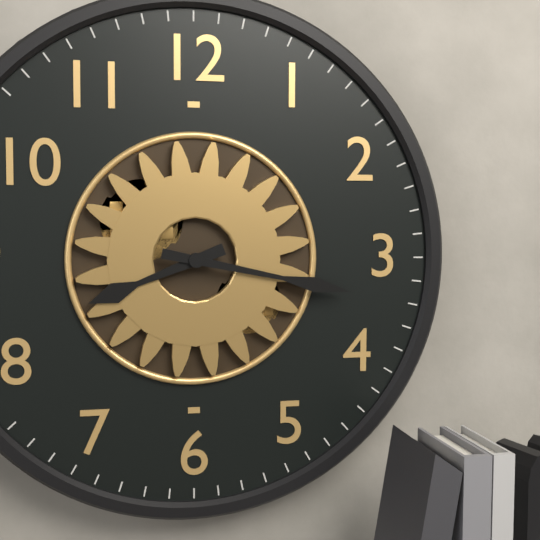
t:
8,17
